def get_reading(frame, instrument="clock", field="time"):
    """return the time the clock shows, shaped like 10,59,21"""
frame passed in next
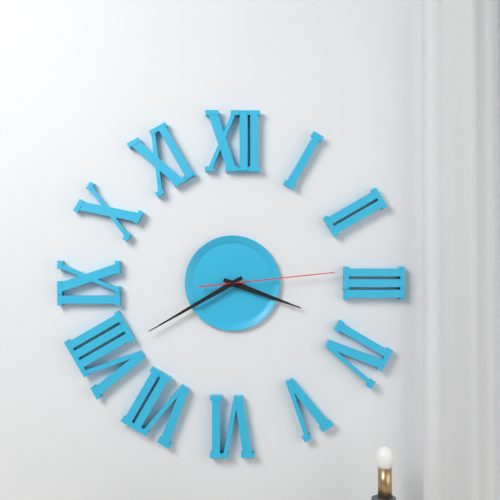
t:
3,40,14
